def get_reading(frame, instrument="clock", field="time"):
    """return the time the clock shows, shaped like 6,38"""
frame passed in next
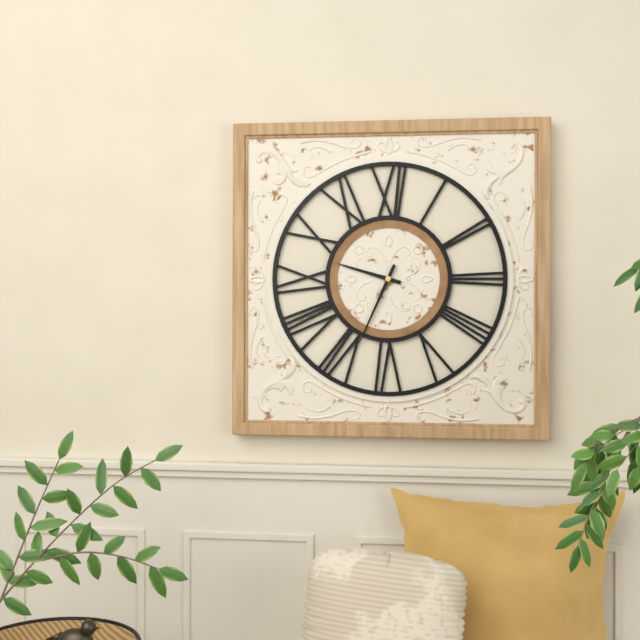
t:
9,34
